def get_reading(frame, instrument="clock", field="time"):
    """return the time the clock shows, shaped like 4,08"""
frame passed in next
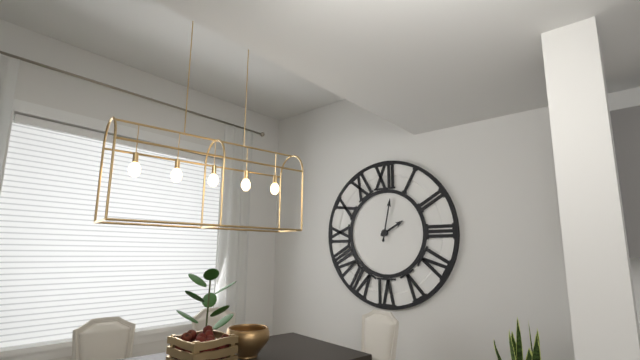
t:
2,02
